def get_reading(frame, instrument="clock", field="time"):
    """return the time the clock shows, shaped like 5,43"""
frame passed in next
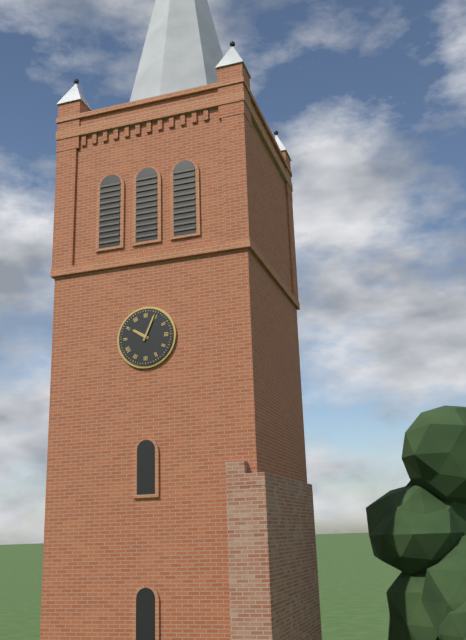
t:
10,04
